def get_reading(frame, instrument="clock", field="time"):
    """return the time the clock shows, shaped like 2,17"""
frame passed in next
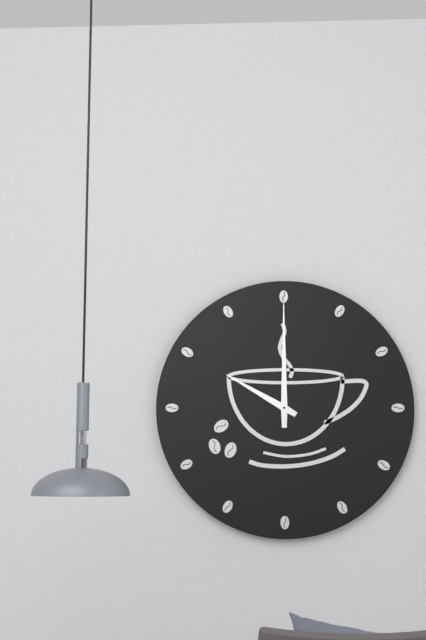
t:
10,00
